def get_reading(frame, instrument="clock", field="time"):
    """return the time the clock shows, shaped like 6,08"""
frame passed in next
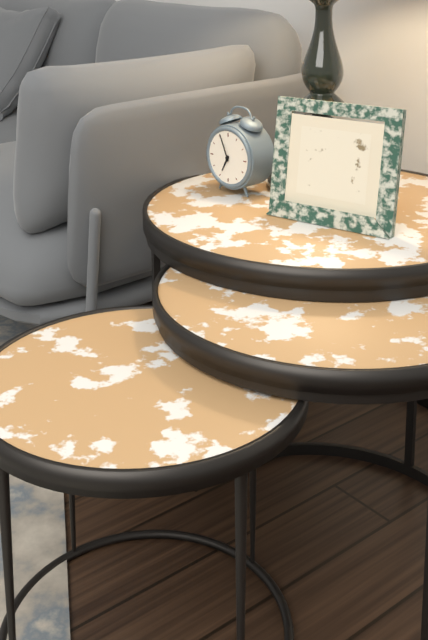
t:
6,56
